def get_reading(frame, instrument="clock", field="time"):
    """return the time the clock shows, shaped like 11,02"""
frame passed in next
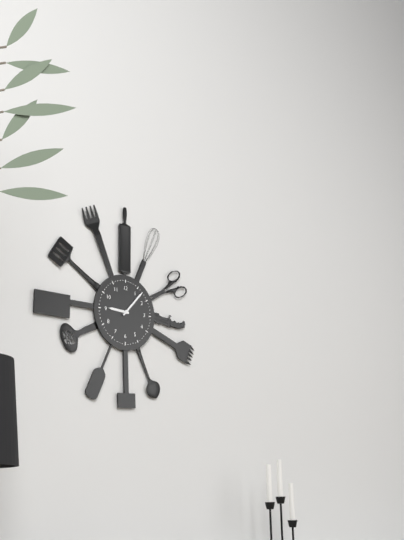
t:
9,07
